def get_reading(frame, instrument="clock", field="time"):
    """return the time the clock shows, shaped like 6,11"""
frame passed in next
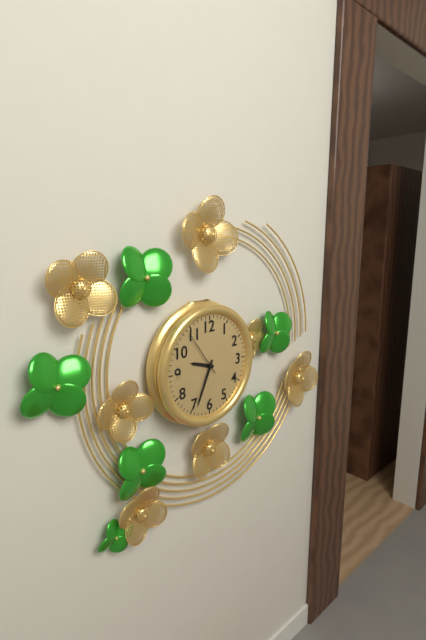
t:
9,34
